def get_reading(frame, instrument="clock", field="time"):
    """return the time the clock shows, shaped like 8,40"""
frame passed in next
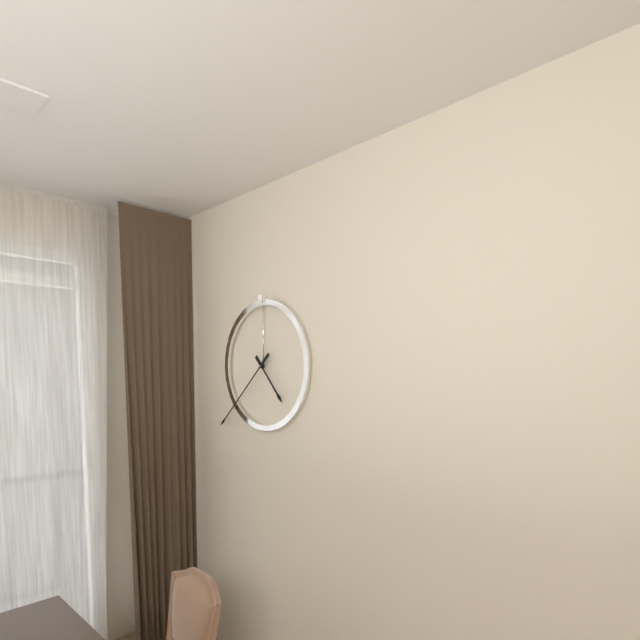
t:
4,38
